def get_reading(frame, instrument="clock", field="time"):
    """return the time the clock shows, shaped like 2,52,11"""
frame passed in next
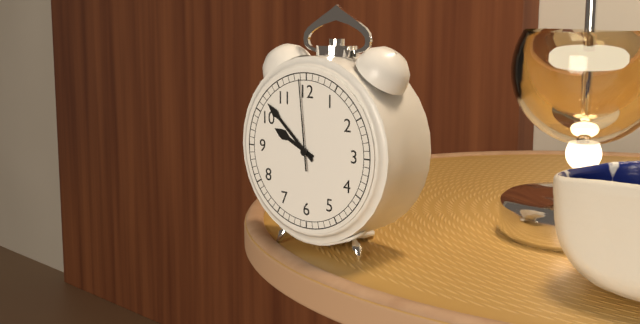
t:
9,52,59
